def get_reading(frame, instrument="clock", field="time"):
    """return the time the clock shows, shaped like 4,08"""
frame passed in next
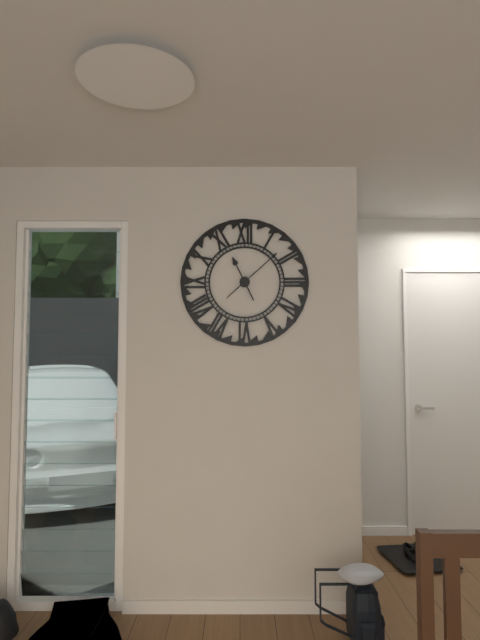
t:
11,08
